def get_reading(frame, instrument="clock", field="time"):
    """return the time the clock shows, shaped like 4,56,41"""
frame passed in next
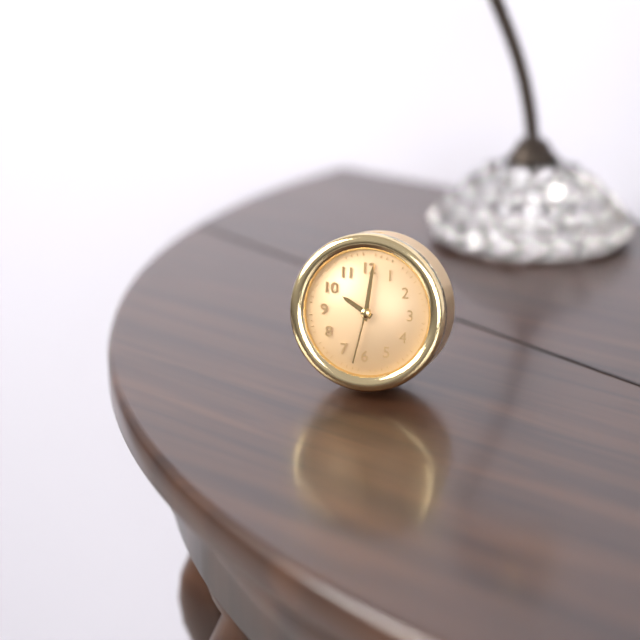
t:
10,01,32
